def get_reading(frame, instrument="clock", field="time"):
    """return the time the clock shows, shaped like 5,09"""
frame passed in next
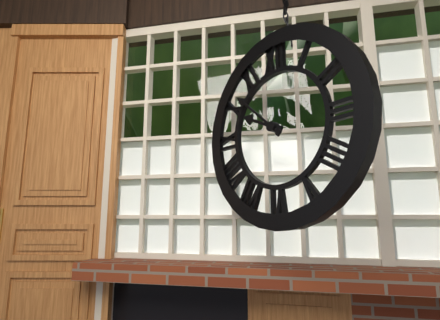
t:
9,52
